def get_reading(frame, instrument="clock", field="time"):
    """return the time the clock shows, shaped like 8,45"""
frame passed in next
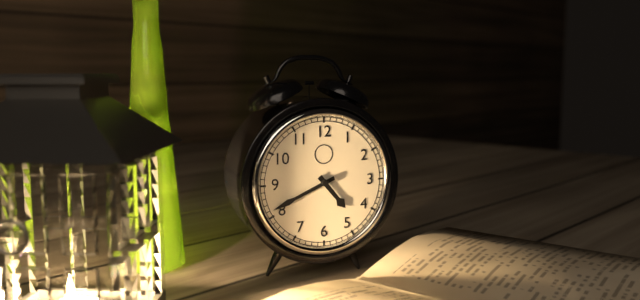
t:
4,41
